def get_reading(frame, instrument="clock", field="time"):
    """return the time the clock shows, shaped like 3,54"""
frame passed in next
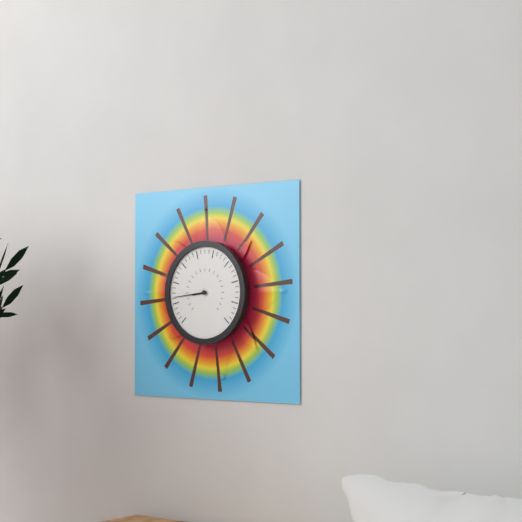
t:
8,44
